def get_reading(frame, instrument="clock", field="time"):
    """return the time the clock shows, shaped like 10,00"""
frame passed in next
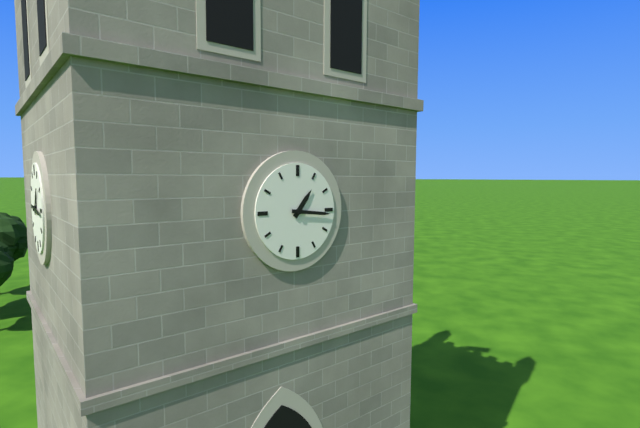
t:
1,16
